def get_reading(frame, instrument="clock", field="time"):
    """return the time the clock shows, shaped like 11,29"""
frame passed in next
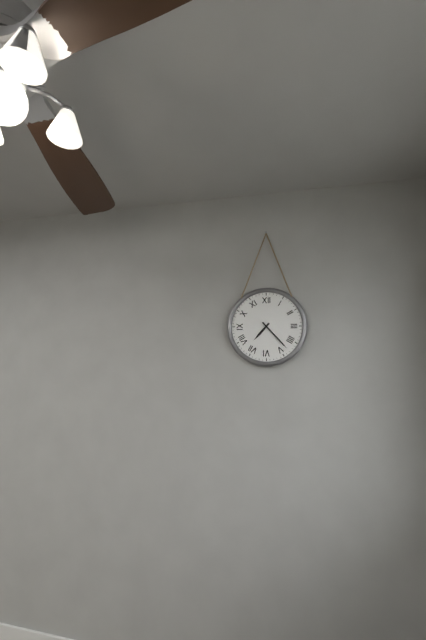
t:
7,23
